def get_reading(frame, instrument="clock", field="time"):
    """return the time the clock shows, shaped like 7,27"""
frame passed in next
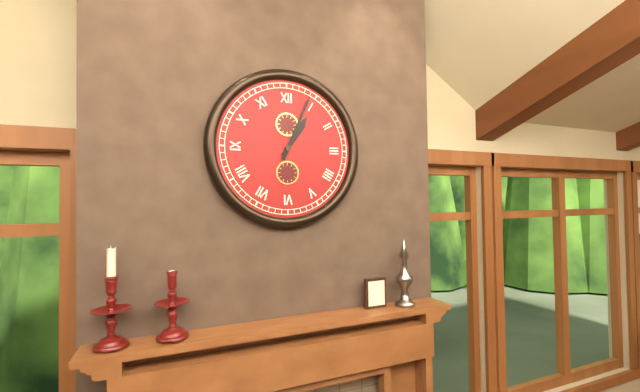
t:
1,04
